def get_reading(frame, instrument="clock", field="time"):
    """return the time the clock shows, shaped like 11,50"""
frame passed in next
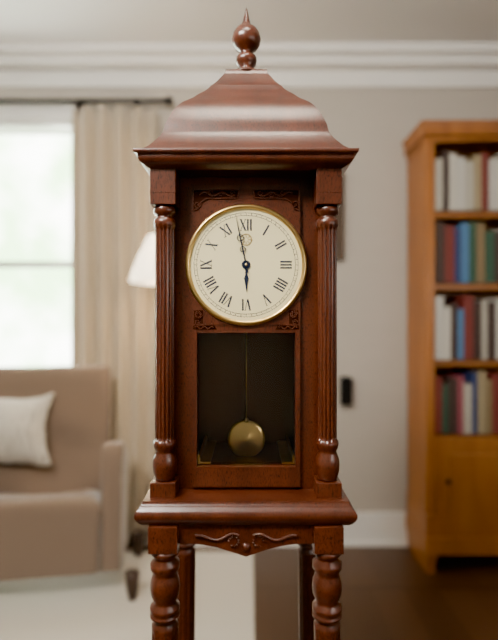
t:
5,58
